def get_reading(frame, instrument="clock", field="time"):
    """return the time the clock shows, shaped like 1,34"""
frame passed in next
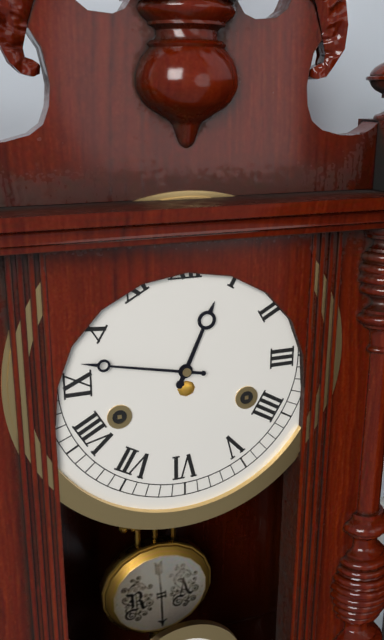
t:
12,47
